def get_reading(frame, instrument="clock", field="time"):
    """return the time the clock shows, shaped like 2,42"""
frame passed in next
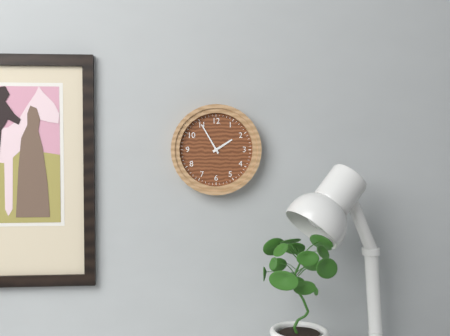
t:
1,55
